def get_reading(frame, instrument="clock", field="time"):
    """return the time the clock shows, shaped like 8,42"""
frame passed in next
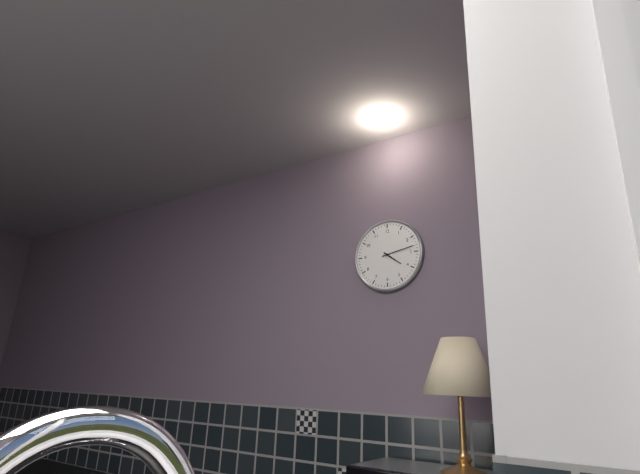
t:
4,13
